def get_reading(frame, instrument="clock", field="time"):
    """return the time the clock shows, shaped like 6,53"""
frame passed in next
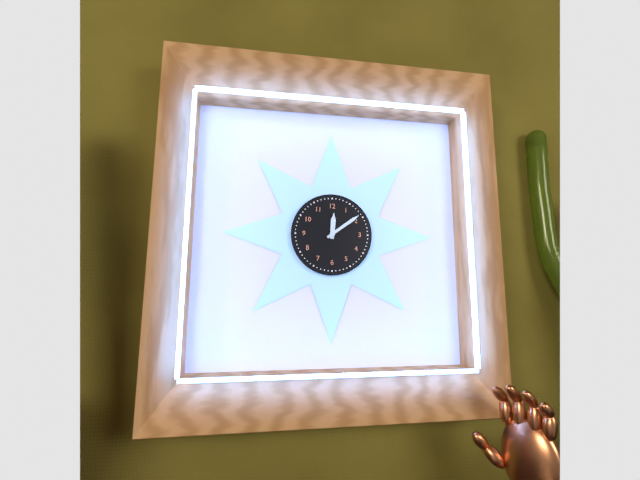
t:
12,09
